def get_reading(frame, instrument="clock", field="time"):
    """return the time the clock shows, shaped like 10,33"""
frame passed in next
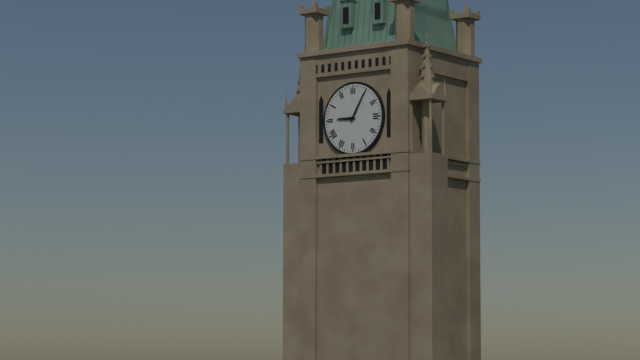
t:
9,05
